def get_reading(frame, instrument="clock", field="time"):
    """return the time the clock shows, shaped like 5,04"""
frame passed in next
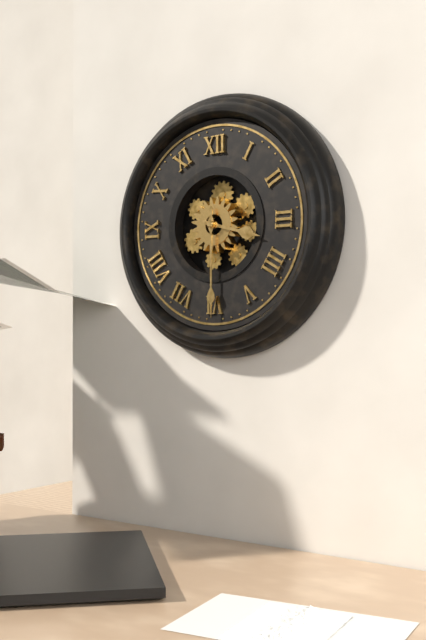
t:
3,30
